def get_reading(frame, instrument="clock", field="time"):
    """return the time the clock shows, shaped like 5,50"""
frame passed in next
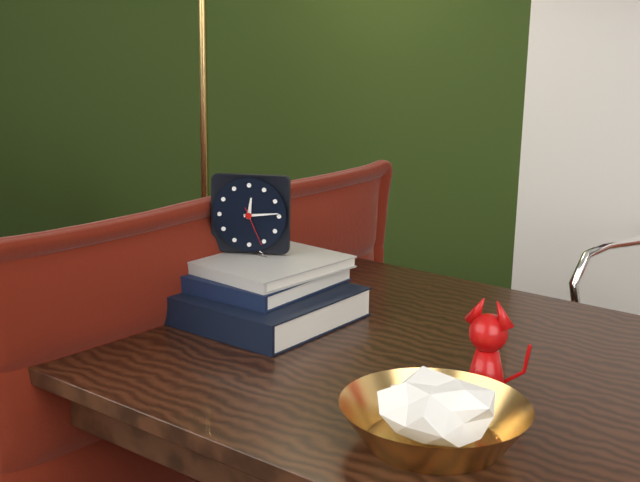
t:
12,14
